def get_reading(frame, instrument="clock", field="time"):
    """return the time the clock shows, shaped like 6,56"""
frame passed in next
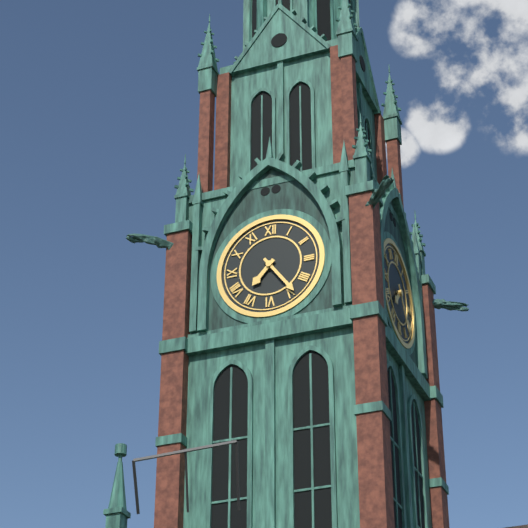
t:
7,24
